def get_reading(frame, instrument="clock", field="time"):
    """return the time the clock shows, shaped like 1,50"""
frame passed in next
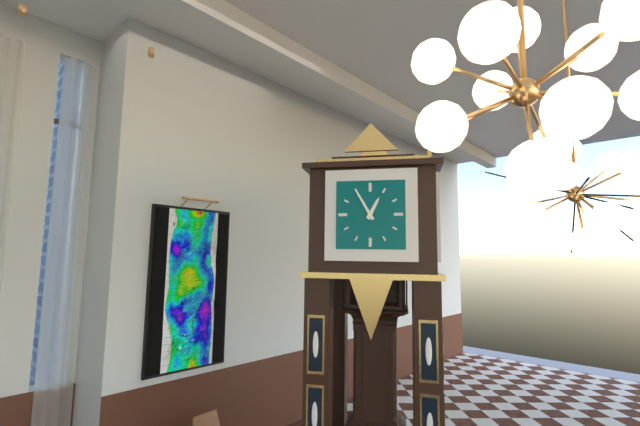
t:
12,55
